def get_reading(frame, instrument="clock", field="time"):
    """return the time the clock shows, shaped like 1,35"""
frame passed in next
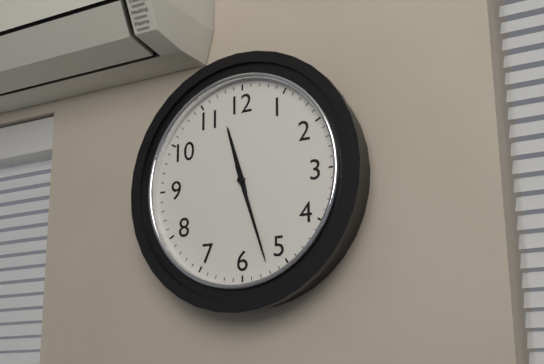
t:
11,27
